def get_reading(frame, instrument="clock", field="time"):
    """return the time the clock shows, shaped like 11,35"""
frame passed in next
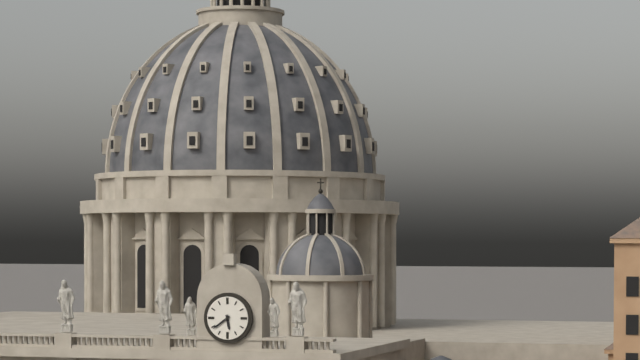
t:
5,39
